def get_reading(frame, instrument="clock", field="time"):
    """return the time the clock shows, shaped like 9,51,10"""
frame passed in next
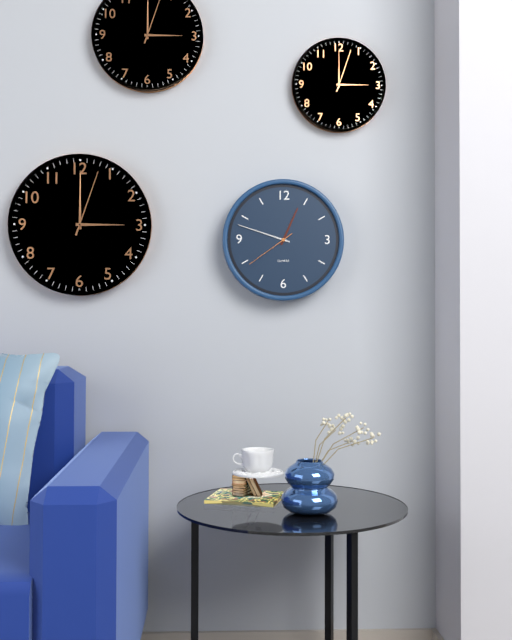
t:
12,48,39
